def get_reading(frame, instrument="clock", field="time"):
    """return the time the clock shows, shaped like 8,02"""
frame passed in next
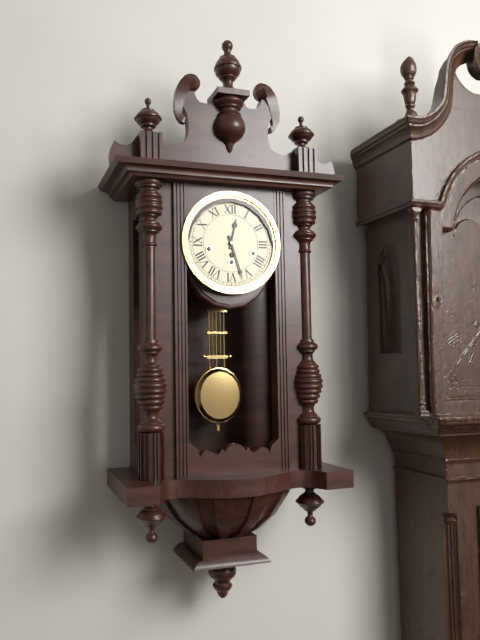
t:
12,27
